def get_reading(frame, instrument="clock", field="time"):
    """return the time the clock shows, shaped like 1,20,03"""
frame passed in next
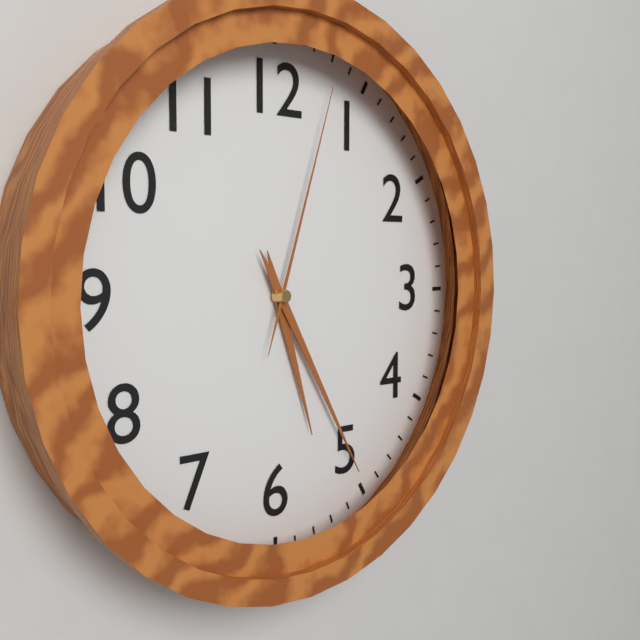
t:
5,25,03
